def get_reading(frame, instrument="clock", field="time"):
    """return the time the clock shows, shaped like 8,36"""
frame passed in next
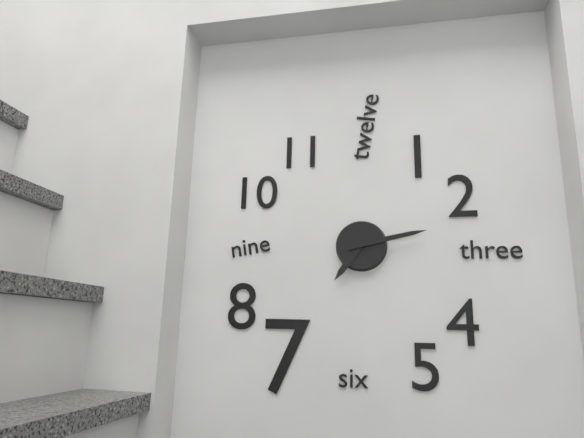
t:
7,13
